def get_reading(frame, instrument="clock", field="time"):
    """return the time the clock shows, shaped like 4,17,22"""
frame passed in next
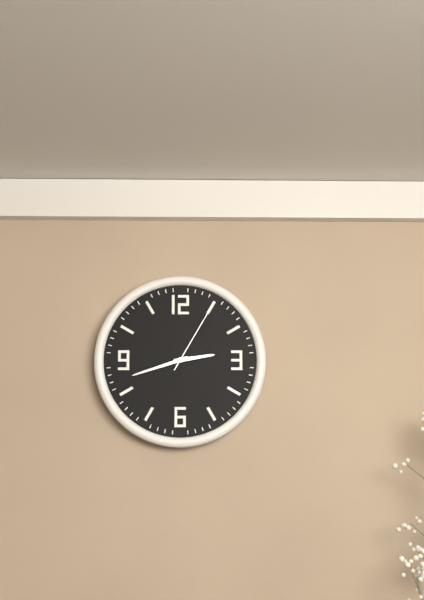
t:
2,42,05
